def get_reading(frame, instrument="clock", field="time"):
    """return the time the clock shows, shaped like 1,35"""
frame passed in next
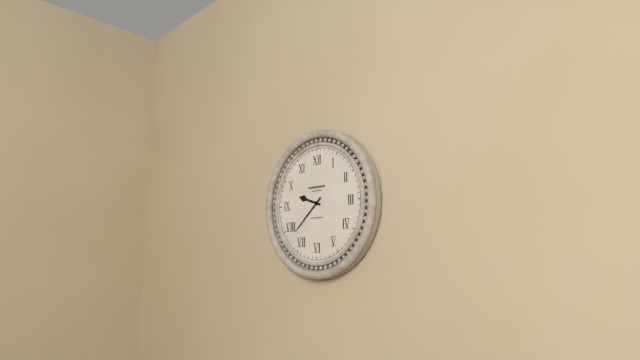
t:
9,38
